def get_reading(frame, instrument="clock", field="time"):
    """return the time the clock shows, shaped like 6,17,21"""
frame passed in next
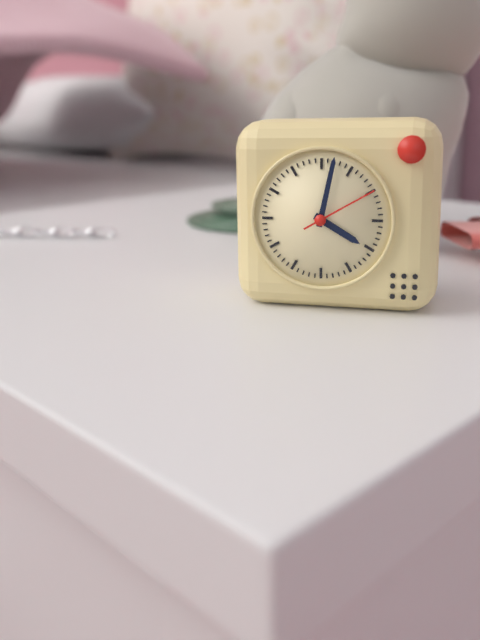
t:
4,02,10
